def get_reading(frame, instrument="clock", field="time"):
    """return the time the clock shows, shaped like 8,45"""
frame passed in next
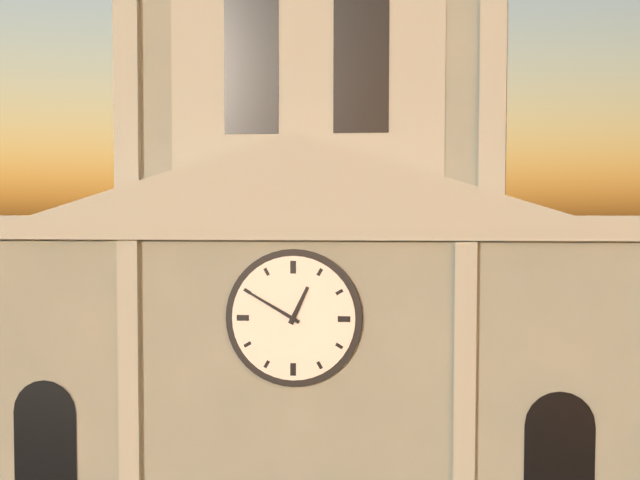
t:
12,50
